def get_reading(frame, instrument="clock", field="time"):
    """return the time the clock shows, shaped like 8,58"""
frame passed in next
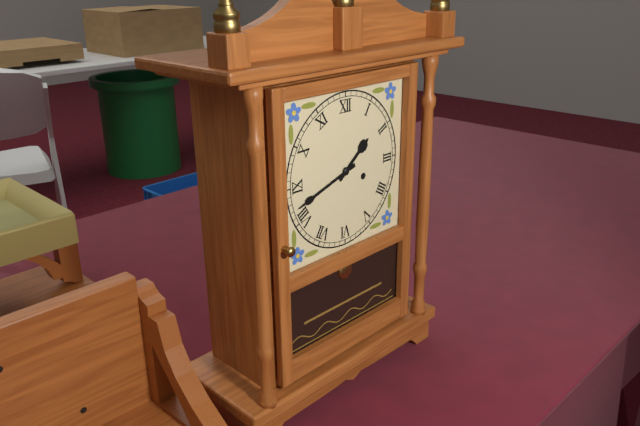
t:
1,42
